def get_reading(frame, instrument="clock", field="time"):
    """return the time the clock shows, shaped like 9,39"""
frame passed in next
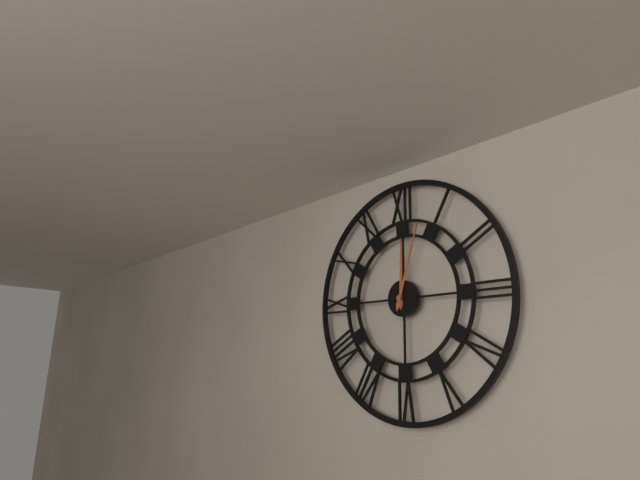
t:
12,03
